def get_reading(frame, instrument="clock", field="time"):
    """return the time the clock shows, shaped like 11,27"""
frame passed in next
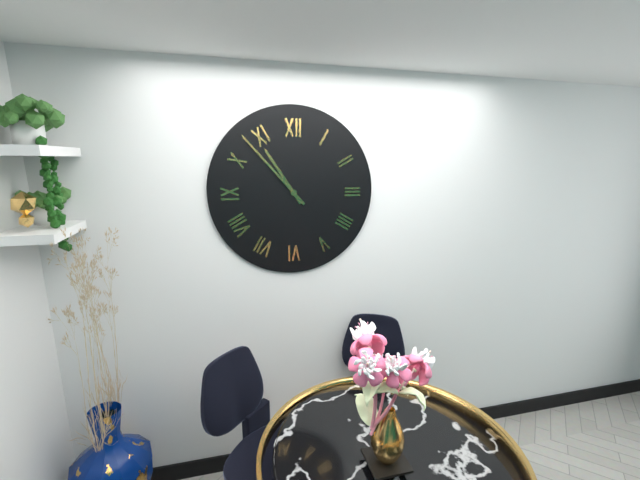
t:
10,53
